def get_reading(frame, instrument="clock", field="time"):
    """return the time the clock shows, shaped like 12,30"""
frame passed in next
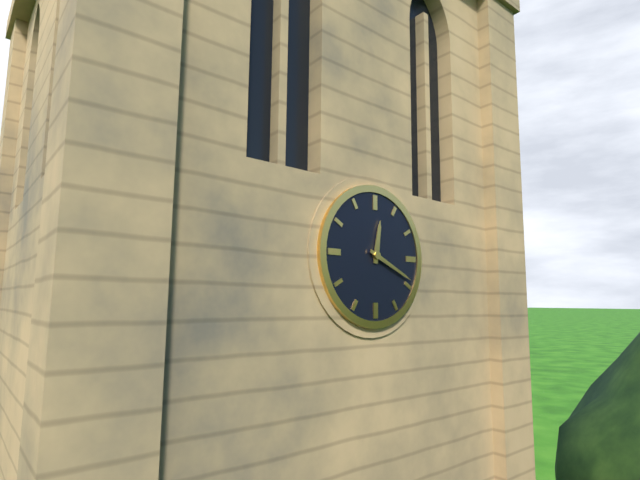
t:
12,19
